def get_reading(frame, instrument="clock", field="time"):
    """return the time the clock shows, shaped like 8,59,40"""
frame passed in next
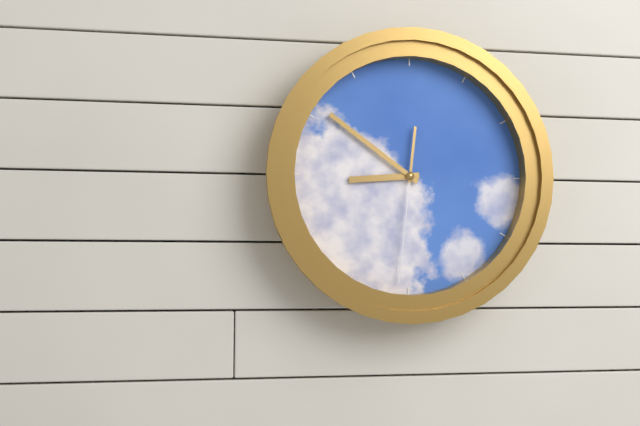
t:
8,51,31
